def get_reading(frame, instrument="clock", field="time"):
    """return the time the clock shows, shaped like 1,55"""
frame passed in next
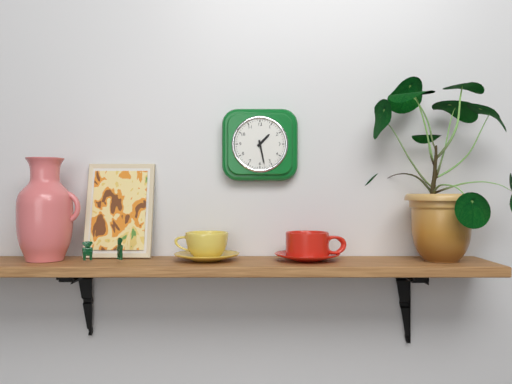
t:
1,28
